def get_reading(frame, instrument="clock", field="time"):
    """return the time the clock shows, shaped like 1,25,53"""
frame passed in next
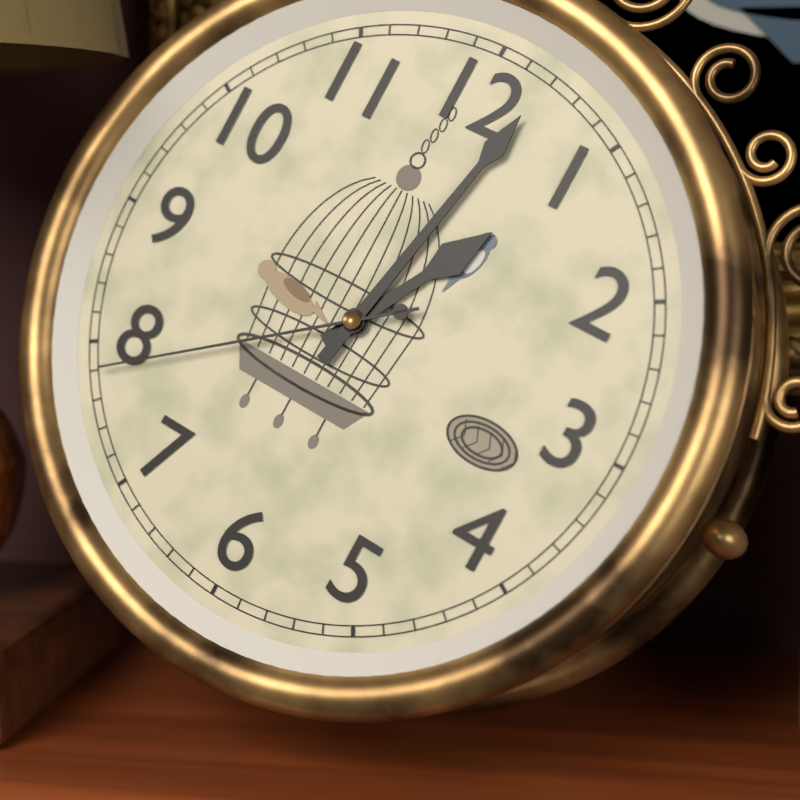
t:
1,02,39
